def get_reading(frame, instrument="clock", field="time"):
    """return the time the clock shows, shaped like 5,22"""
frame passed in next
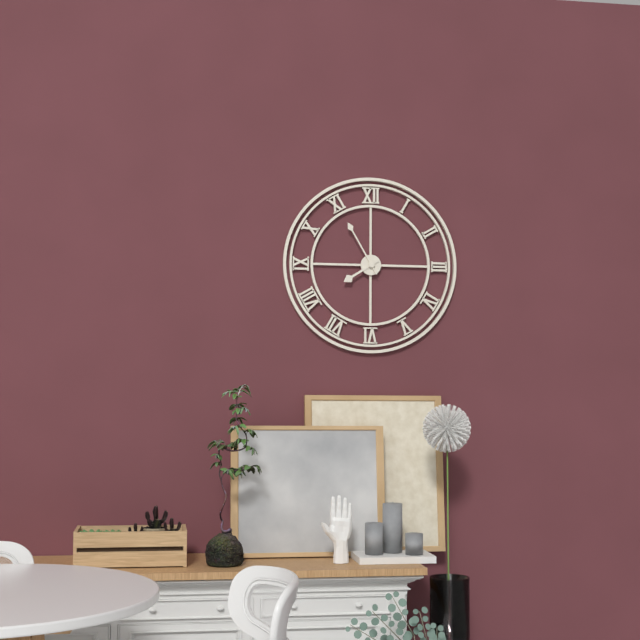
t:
7,55
